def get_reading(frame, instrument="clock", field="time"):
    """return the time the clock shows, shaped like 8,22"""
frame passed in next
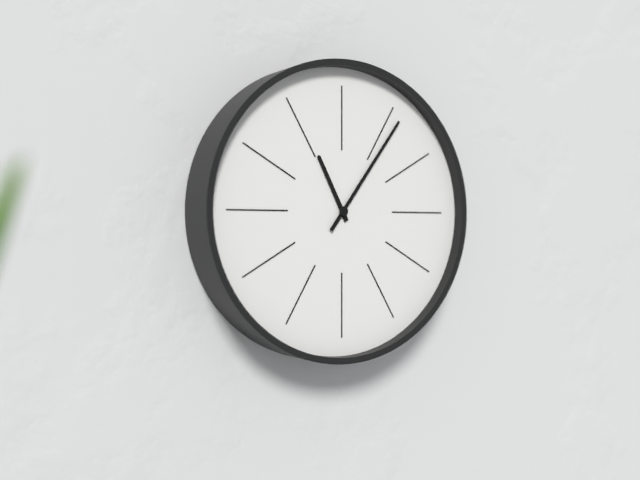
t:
11,06
